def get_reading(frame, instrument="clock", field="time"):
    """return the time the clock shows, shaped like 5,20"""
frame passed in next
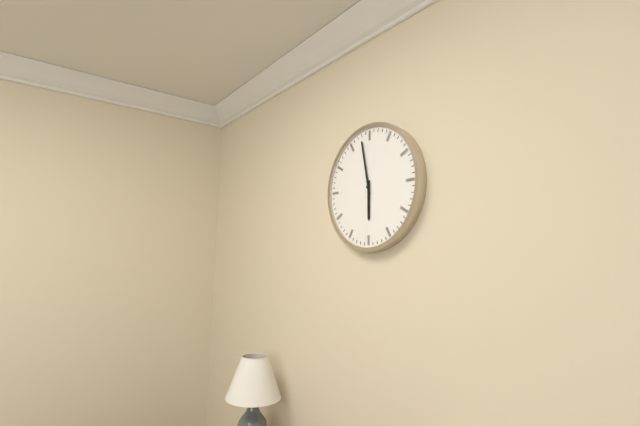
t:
5,58
